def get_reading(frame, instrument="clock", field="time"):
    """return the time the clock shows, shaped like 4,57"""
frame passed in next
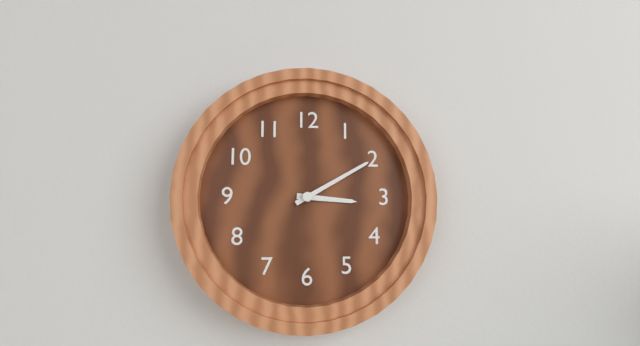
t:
3,10
